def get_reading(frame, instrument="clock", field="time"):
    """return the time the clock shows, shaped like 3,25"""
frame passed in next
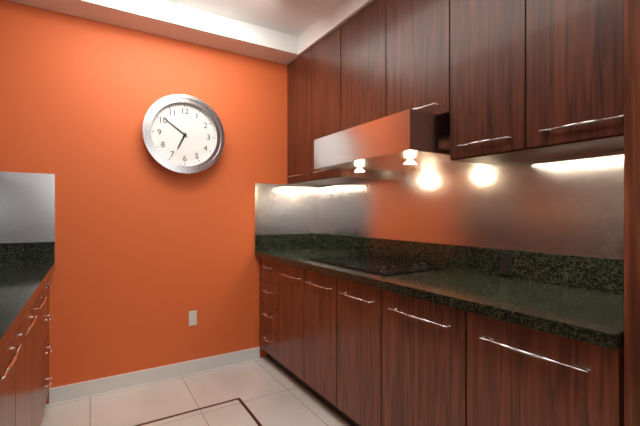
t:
6,51
